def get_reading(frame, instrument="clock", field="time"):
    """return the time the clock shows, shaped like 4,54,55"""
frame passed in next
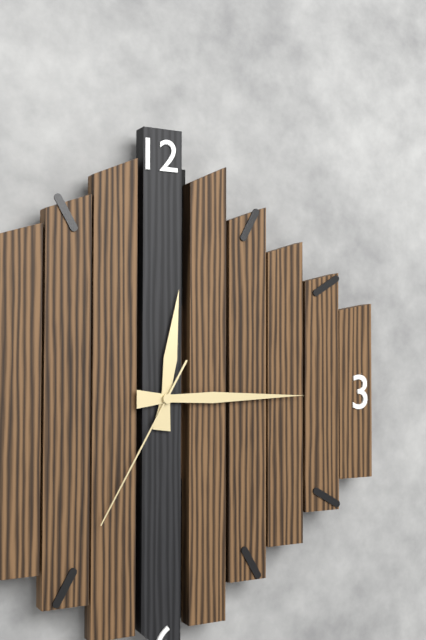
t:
12,15,35
